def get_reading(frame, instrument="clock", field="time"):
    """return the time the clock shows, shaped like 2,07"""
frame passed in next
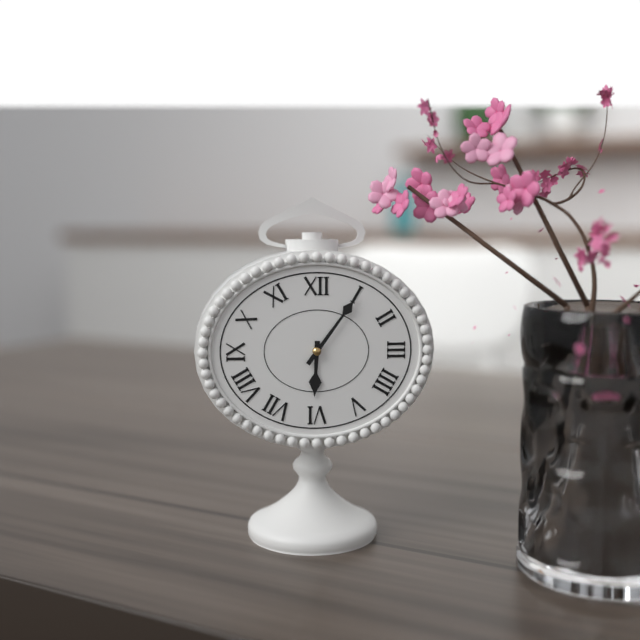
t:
6,06
